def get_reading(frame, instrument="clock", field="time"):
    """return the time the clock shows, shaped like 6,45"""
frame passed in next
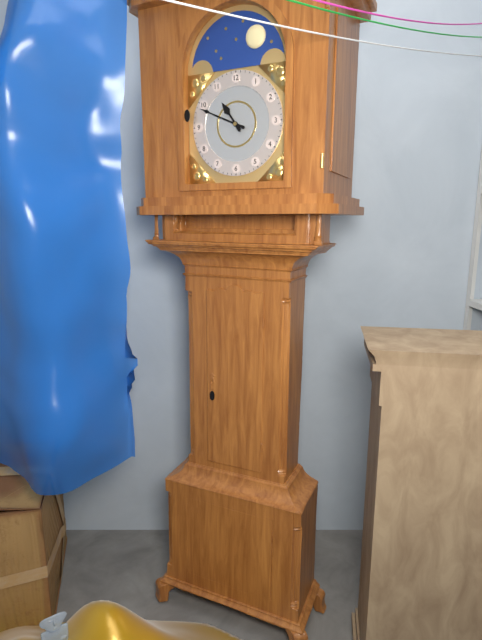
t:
10,49
